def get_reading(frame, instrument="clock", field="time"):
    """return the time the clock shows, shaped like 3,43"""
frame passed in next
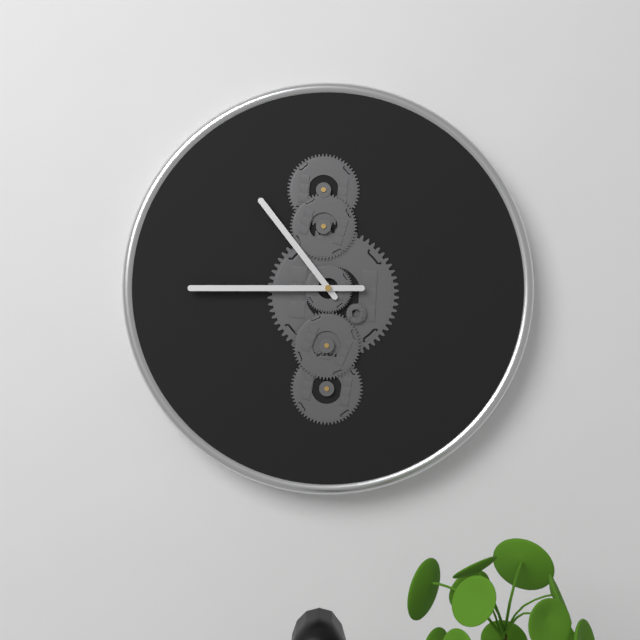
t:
10,45
